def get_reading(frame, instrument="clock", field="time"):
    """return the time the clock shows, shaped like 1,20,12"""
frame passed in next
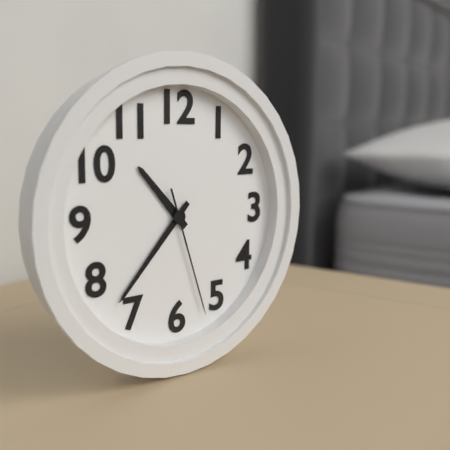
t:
10,37,27
